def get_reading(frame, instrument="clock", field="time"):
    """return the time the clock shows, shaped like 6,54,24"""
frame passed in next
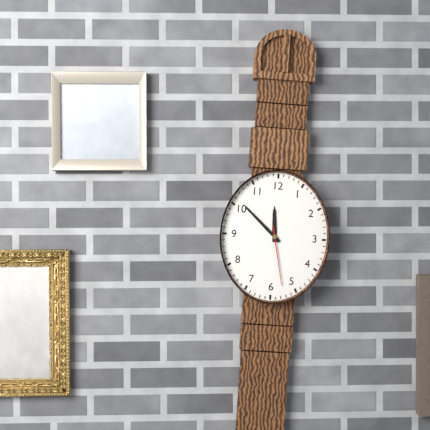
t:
11,52,28
